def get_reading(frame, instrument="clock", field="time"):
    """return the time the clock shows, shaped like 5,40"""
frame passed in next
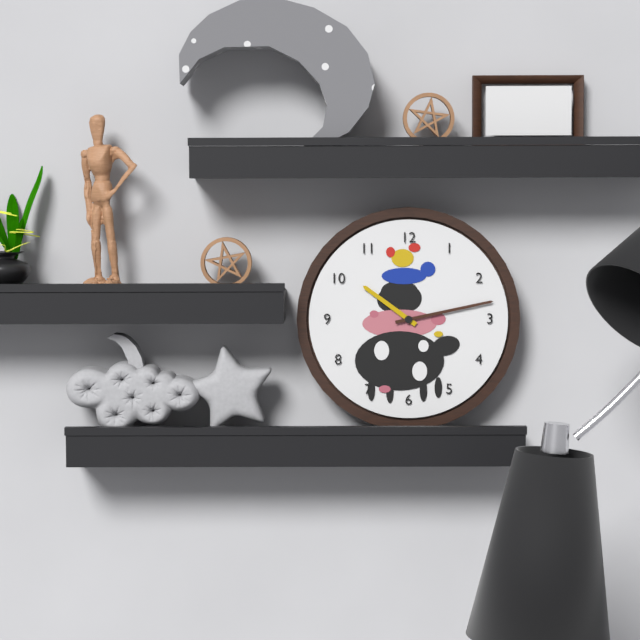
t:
10,13
